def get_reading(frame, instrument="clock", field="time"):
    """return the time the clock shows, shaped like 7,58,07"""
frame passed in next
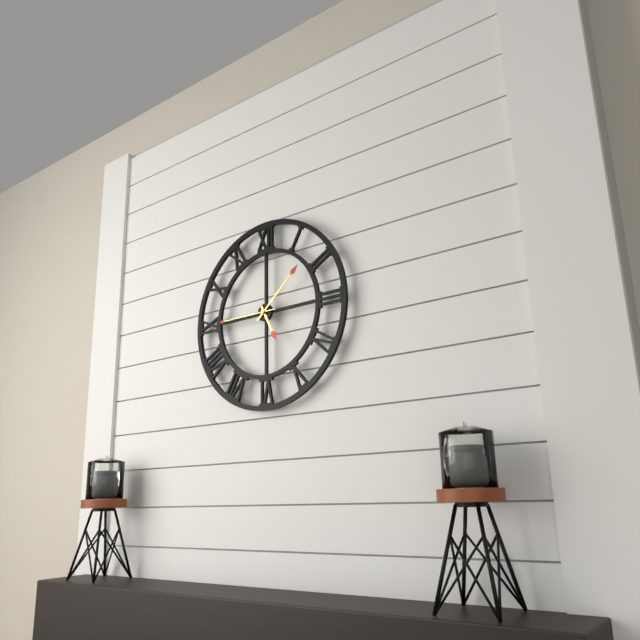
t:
5,08,45
